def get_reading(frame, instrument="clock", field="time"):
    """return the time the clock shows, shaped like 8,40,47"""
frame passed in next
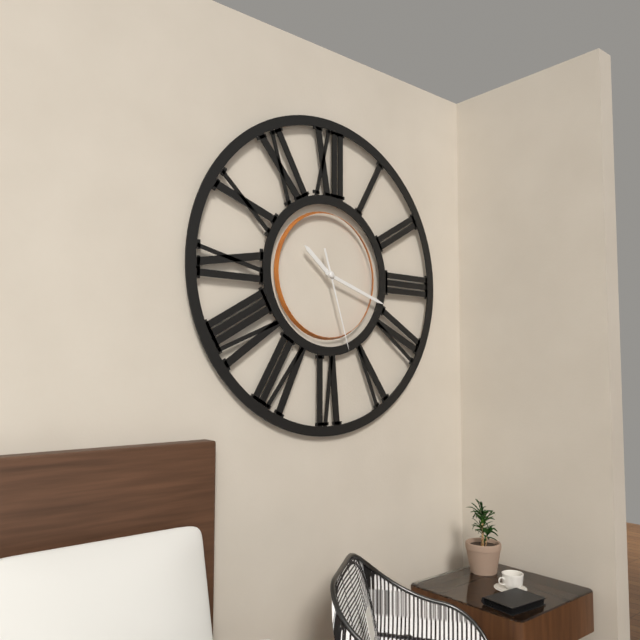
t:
10,18,27
